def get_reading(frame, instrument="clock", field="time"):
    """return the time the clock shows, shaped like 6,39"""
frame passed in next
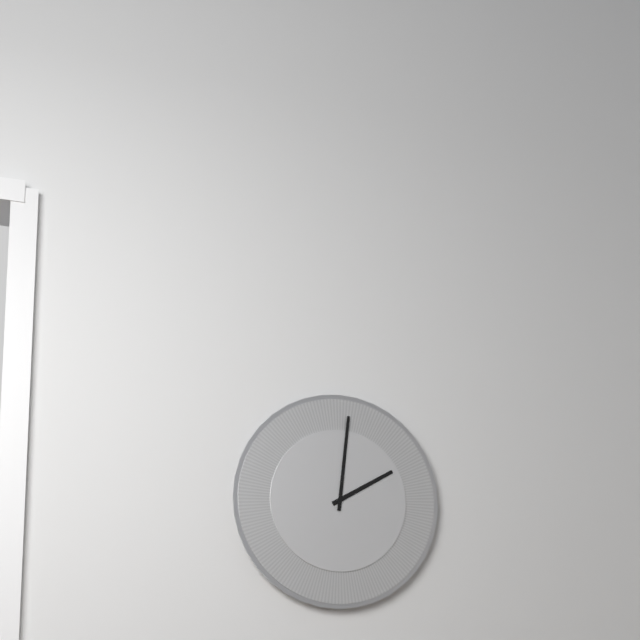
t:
2,01
